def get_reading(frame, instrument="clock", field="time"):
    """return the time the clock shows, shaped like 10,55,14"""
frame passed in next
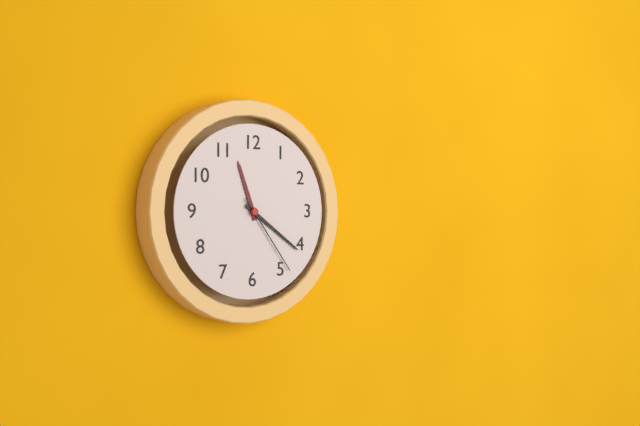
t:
11,21,24
